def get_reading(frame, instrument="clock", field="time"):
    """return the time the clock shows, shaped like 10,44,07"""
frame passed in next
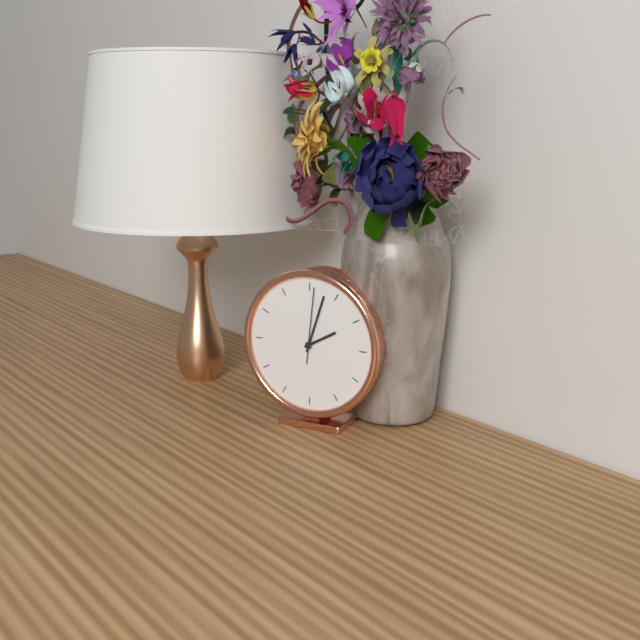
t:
2,03,01
